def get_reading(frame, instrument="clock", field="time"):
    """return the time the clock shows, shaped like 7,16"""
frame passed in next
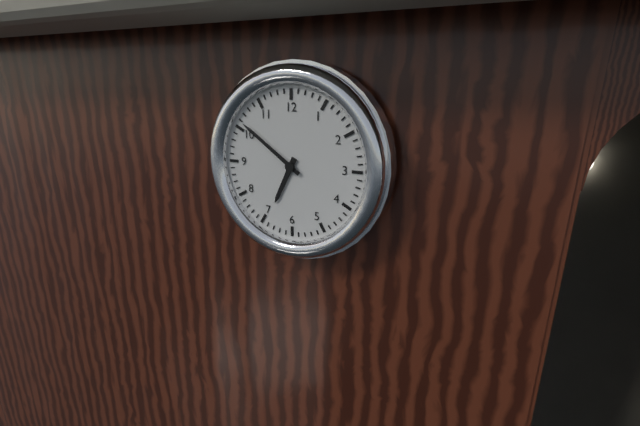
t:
6,51
